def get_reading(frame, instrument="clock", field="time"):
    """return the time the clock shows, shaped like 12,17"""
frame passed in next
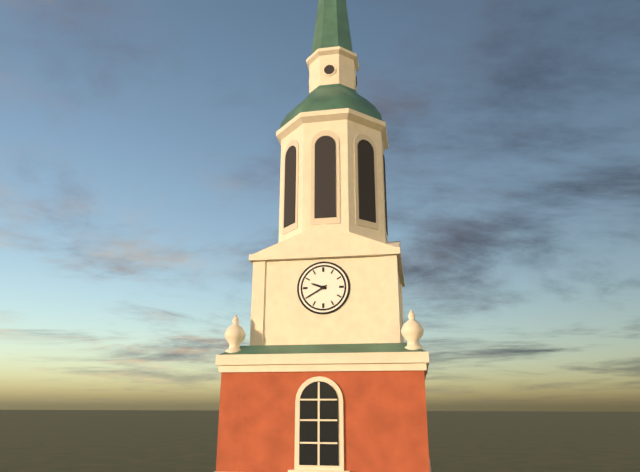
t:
9,40
